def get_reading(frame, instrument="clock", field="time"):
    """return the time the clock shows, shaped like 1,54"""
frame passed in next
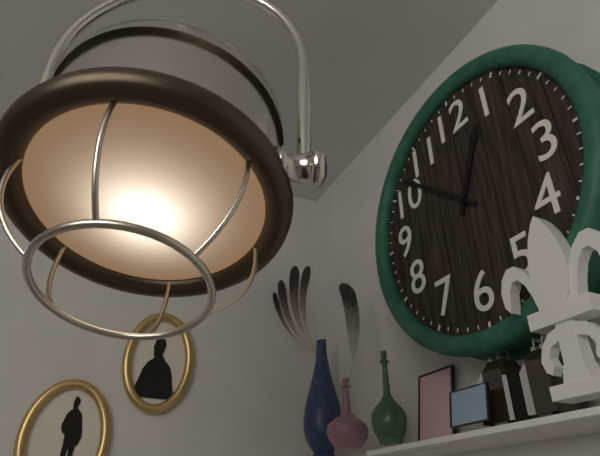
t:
12,52
